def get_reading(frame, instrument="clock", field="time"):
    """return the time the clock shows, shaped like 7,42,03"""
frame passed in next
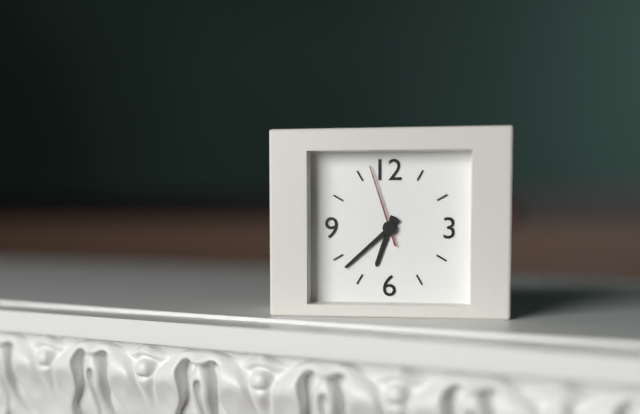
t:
6,38,57
